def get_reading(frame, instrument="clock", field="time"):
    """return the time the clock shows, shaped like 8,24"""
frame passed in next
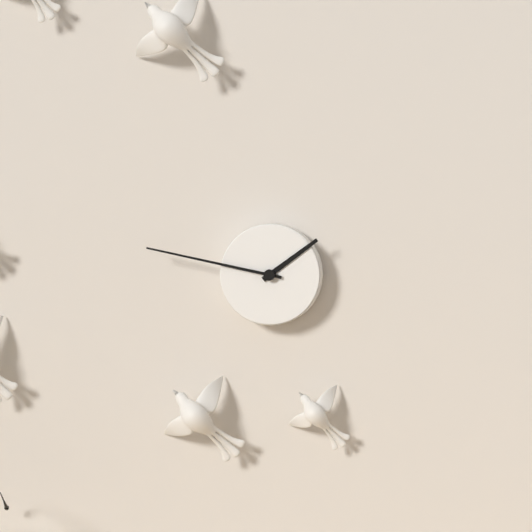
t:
1,47
